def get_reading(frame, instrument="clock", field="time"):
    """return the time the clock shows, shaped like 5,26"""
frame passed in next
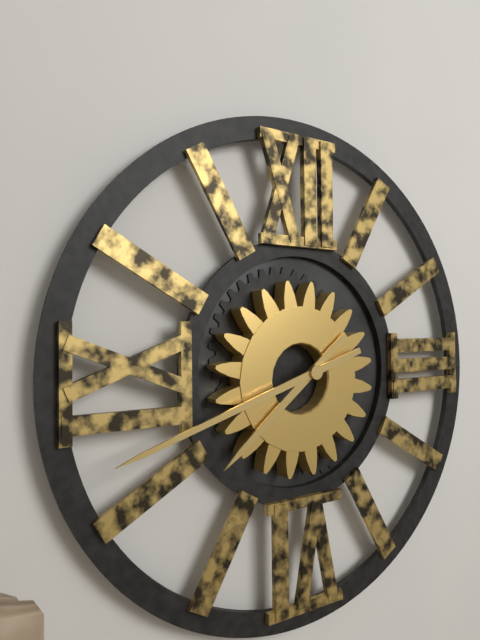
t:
7,42
